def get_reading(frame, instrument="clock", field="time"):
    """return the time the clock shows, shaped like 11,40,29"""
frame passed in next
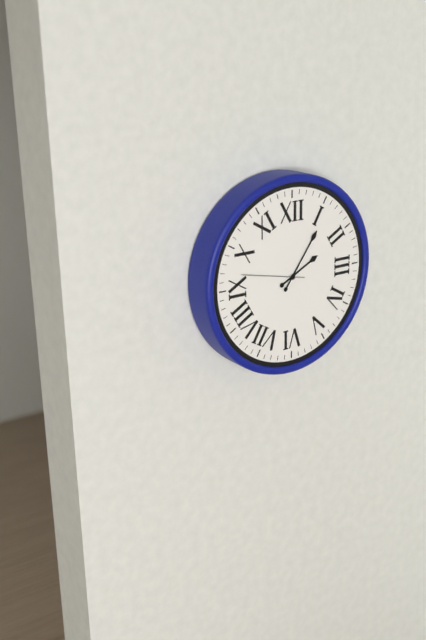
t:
2,06,47
